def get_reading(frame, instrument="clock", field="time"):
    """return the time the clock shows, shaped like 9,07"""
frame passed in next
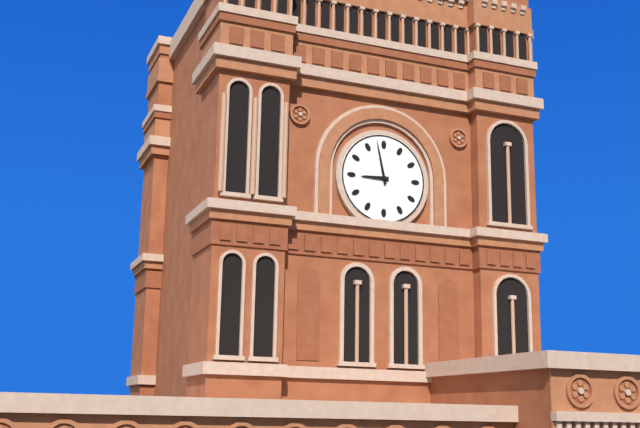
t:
8,58
